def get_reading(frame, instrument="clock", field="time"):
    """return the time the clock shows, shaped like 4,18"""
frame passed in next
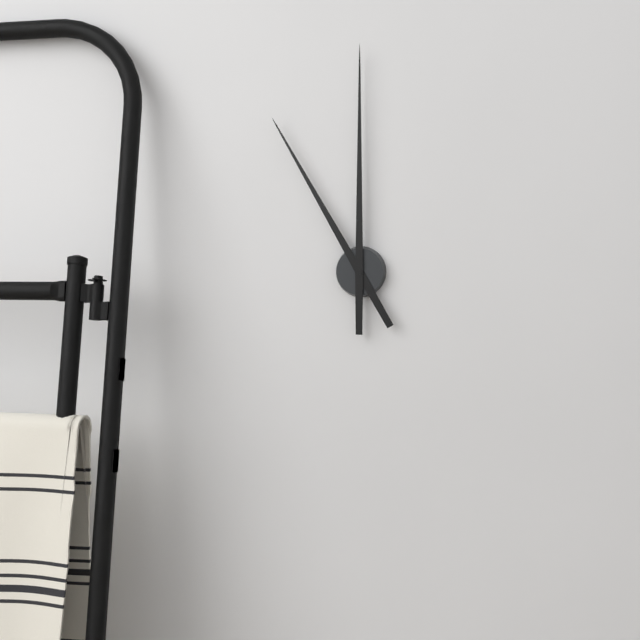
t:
11,00
